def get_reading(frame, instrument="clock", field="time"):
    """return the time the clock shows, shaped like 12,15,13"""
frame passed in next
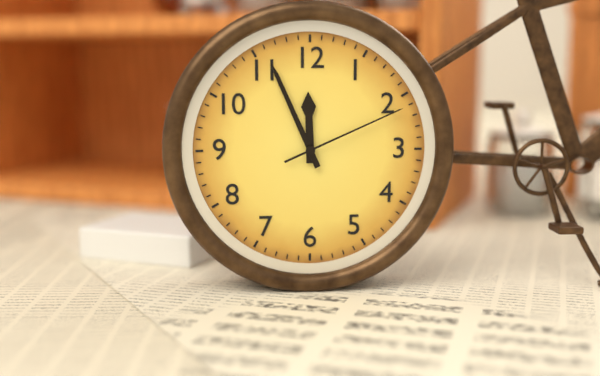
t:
11,56,11
